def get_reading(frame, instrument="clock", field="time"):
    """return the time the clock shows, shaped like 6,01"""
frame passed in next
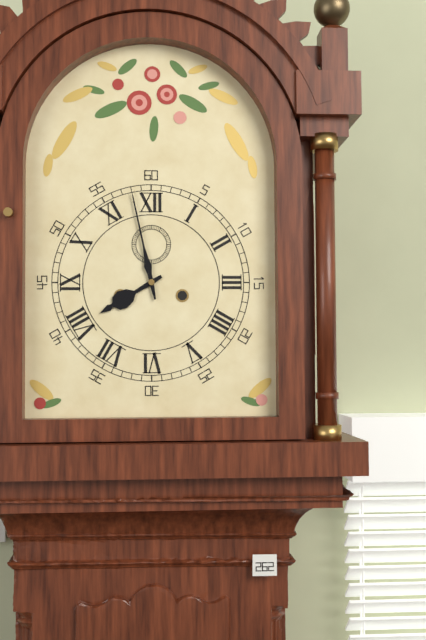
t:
7,58
